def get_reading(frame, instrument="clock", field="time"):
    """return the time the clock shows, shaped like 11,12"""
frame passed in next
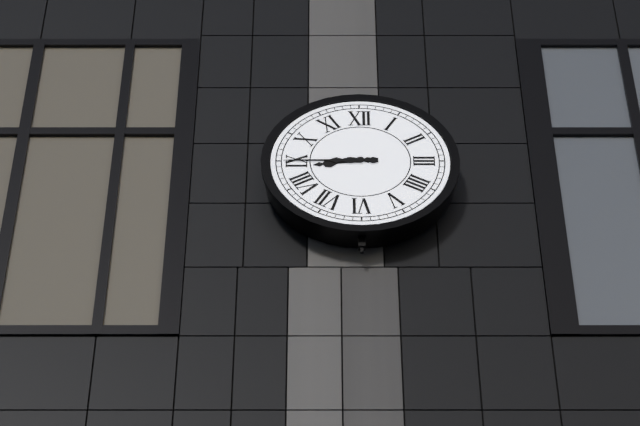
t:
8,45
